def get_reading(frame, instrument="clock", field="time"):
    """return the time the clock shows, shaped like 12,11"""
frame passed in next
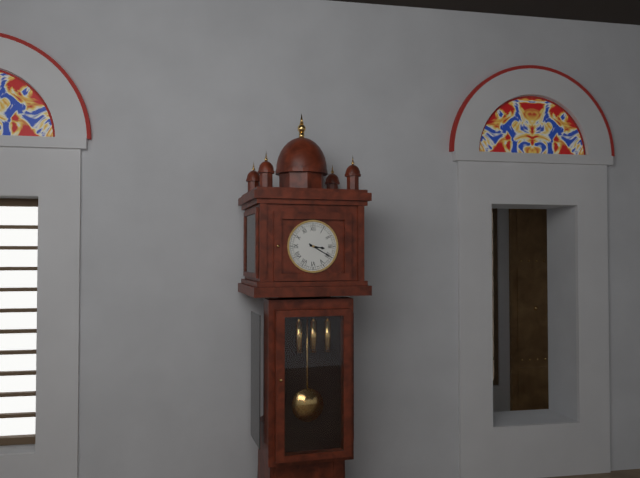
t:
3,20
